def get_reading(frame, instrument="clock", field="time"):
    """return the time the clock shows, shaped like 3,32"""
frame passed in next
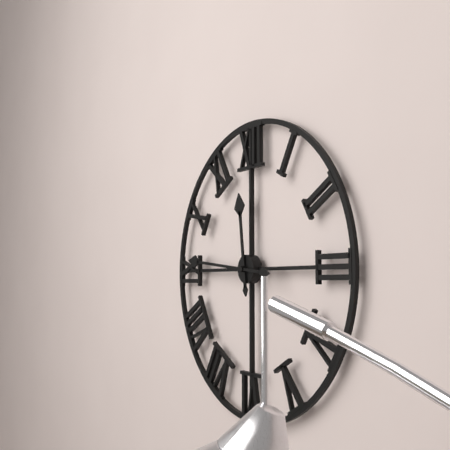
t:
11,46
